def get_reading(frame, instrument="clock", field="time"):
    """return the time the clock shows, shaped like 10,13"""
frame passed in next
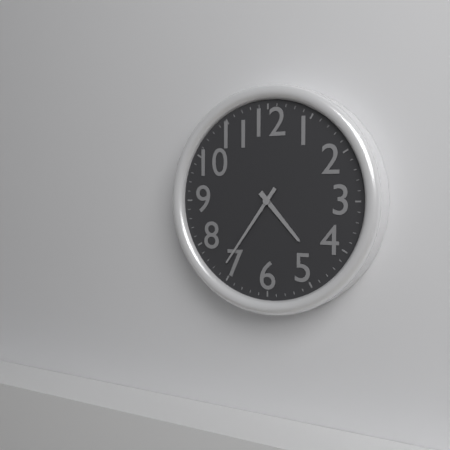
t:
4,36
